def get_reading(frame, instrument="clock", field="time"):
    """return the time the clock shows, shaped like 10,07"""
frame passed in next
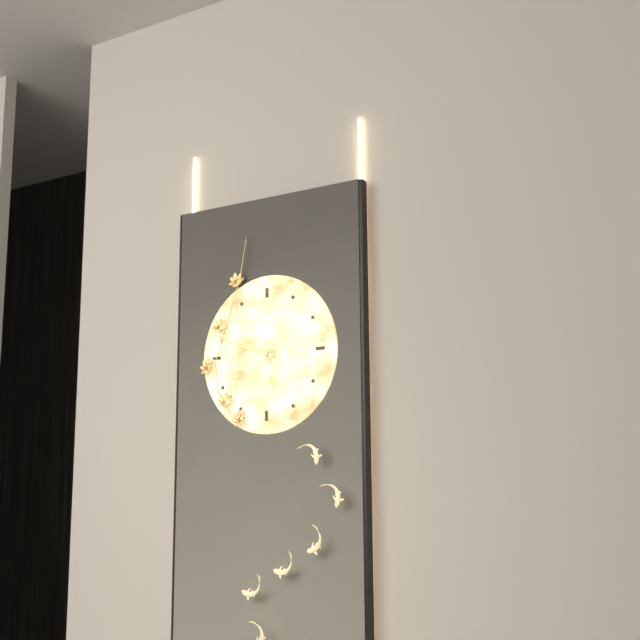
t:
9,48
